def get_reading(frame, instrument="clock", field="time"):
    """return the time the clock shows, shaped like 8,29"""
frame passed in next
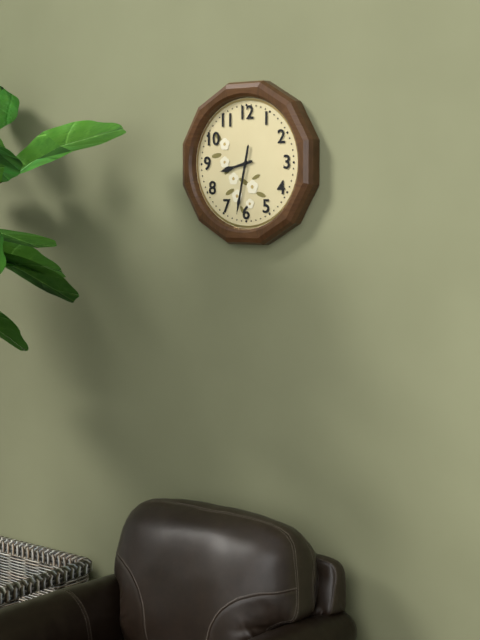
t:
8,32
